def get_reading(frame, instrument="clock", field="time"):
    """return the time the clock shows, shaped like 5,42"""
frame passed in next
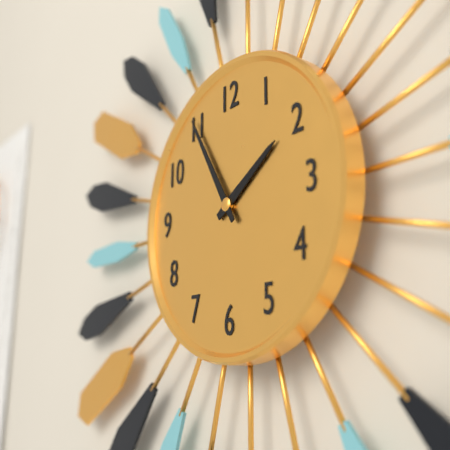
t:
1,55
